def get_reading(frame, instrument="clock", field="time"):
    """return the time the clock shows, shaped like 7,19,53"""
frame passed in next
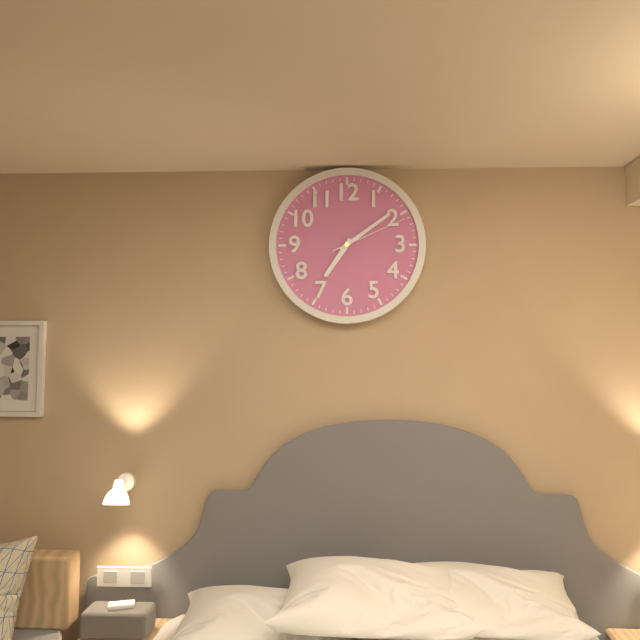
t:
7,09,11
